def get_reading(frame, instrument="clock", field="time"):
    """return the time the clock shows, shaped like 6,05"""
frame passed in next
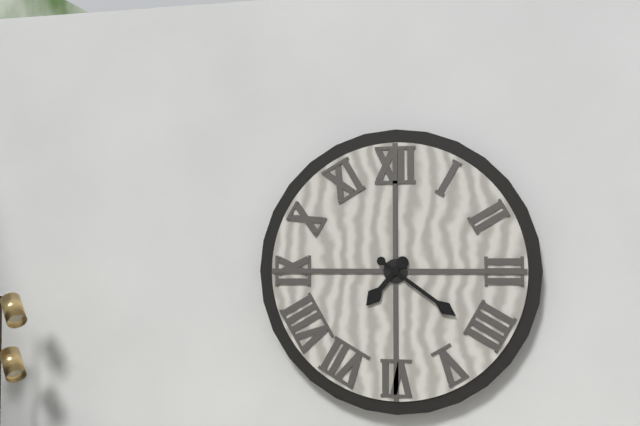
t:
7,21
